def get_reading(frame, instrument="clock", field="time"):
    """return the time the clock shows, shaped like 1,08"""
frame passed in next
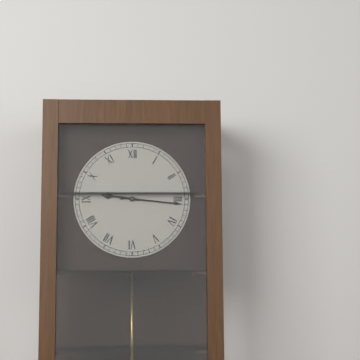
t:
9,16
